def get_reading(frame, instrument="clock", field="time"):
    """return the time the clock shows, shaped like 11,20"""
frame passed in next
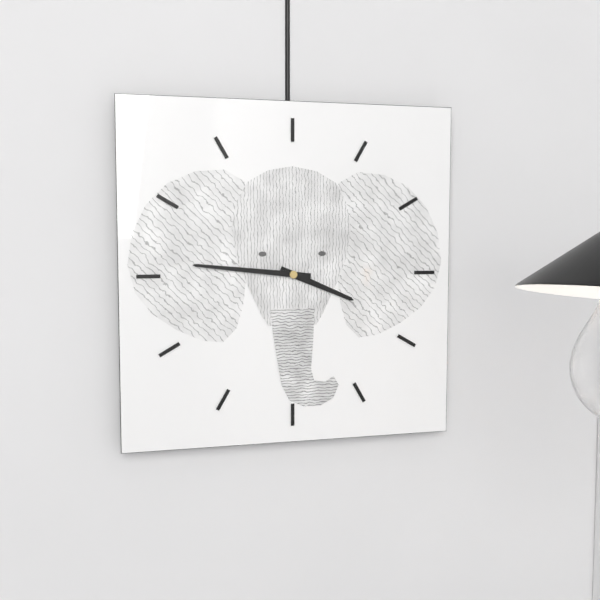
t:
3,46
